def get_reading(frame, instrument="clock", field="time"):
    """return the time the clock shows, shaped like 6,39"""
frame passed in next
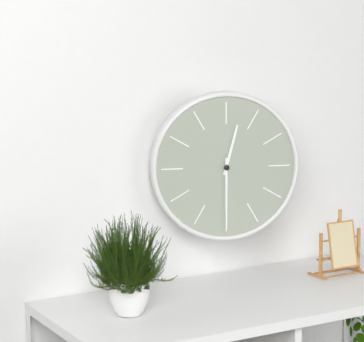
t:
12,30
